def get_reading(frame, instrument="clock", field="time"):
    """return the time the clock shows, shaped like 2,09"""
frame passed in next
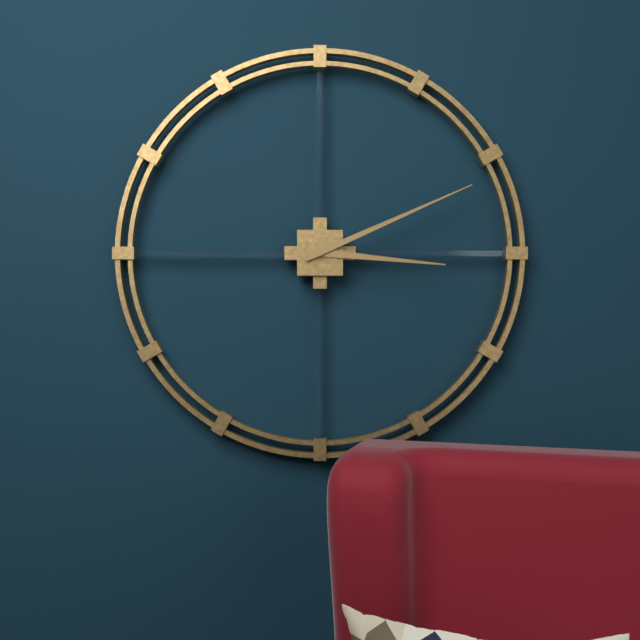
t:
3,11
